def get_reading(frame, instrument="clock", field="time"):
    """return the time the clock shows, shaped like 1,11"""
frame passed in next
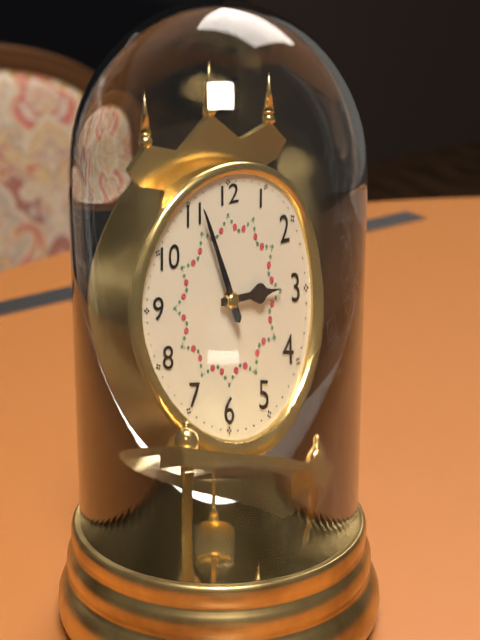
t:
2,56
